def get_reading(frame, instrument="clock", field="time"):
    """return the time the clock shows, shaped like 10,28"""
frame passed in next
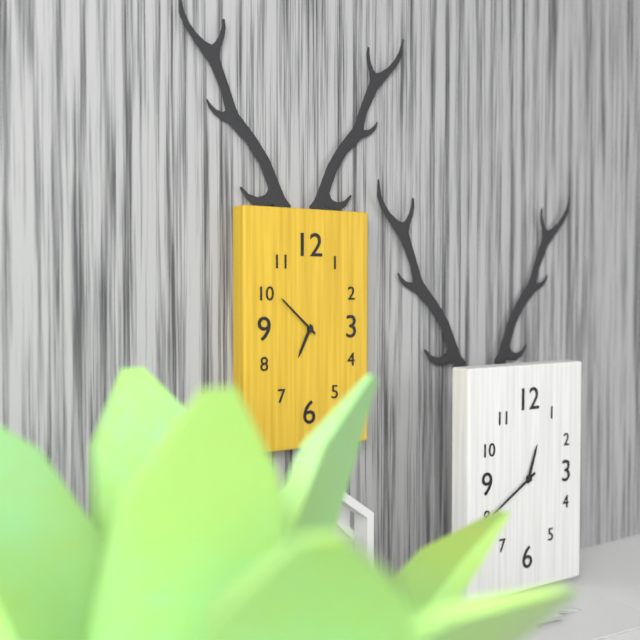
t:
6,52
